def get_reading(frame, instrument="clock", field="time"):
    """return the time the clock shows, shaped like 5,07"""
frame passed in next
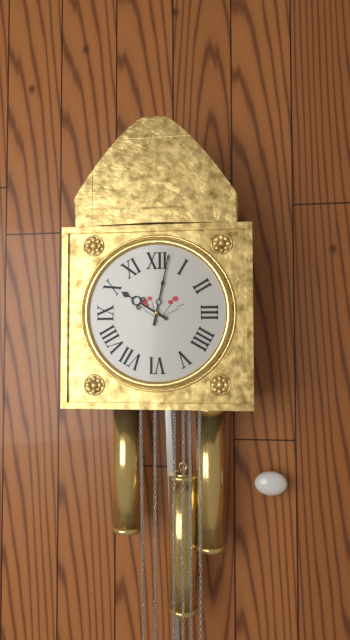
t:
10,02
